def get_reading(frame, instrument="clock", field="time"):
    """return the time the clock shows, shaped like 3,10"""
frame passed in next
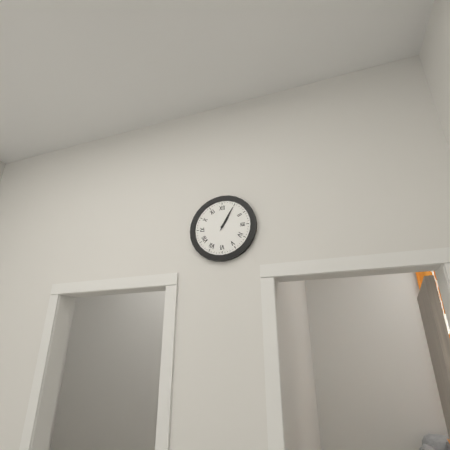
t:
1,05
